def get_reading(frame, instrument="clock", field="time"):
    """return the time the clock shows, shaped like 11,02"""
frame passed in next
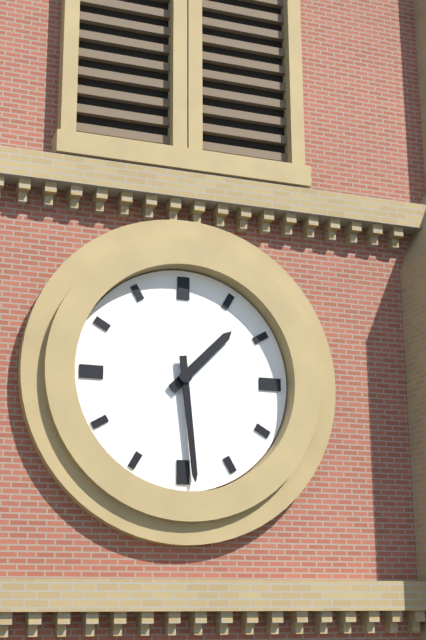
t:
1,29
